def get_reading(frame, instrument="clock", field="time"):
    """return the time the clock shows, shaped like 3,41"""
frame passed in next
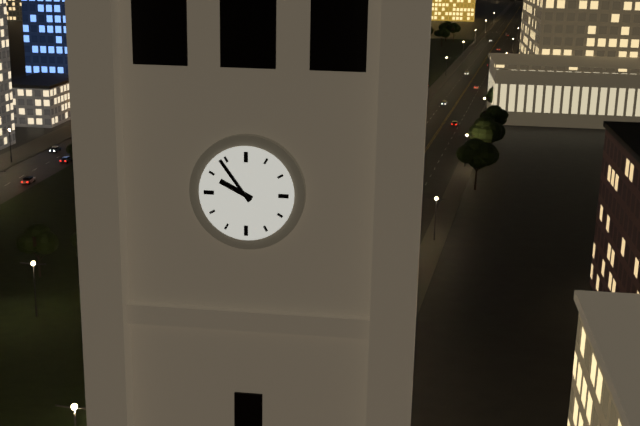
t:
9,54
